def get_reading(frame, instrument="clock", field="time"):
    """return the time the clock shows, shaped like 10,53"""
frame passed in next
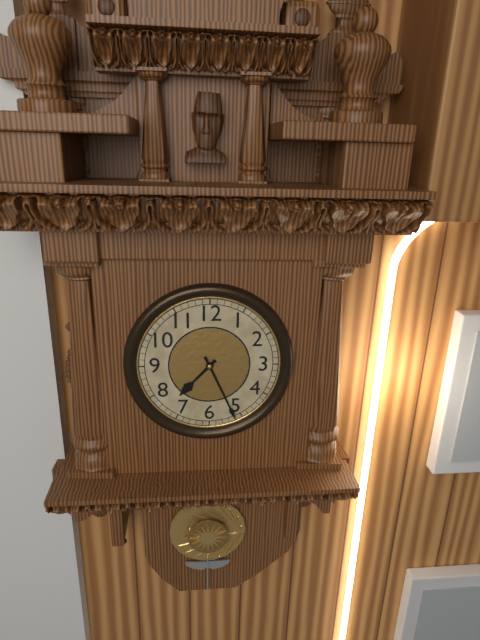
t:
7,26
